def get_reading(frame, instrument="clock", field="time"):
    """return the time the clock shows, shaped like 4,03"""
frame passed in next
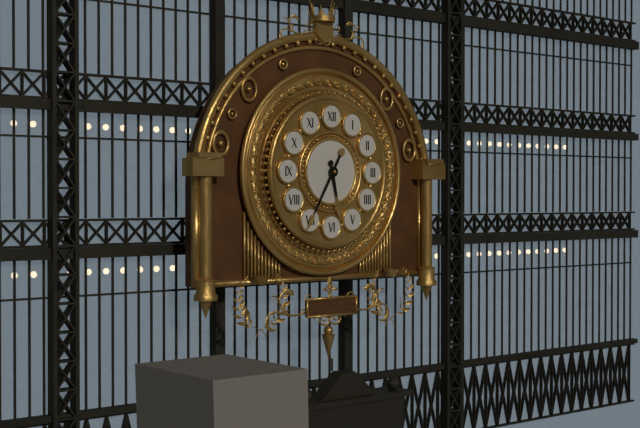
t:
5,35
